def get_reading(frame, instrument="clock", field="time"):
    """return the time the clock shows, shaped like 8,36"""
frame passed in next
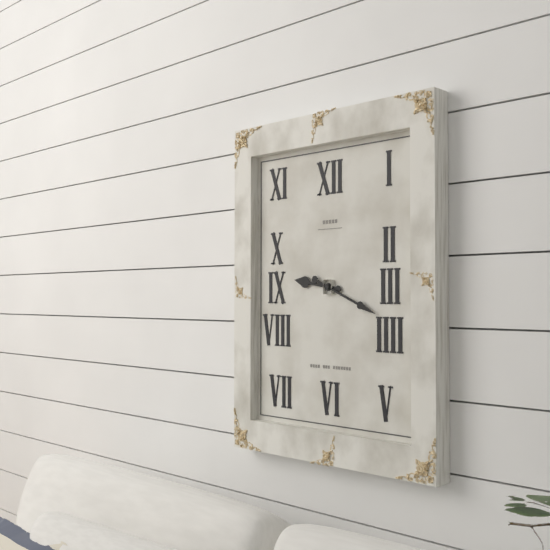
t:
9,19
